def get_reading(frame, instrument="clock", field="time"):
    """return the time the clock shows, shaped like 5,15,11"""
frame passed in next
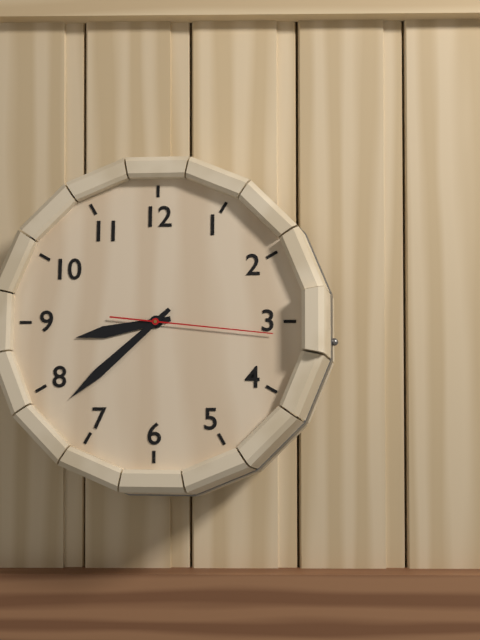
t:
8,38,16
